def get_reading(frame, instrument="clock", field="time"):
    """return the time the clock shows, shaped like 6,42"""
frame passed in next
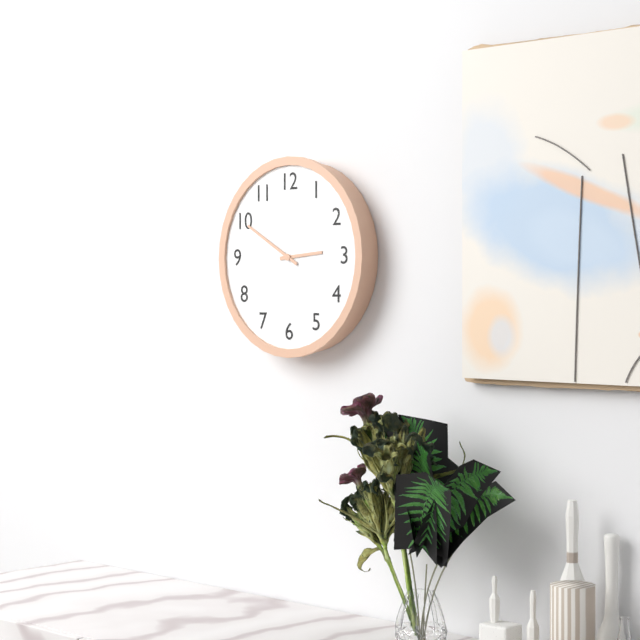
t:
2,50
